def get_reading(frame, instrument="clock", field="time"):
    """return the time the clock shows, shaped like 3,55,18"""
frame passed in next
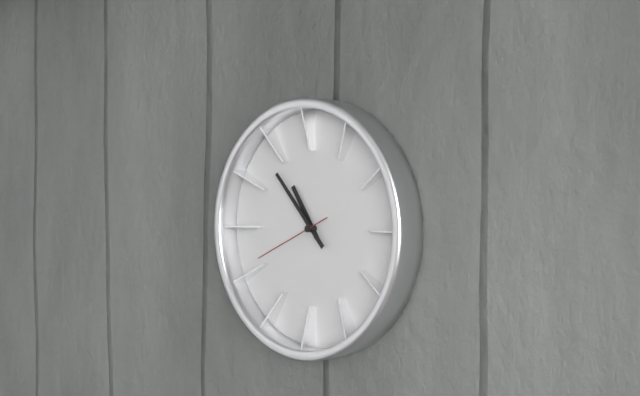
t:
10,53,41
